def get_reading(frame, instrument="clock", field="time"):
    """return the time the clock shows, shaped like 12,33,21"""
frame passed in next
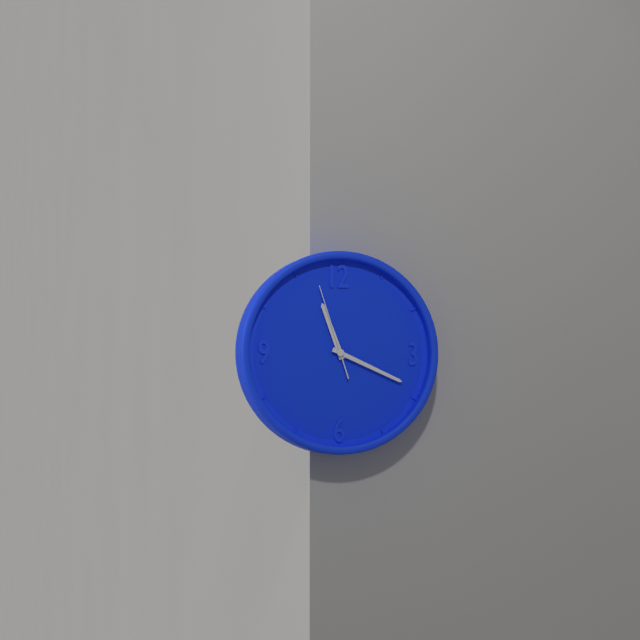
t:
11,19,57
